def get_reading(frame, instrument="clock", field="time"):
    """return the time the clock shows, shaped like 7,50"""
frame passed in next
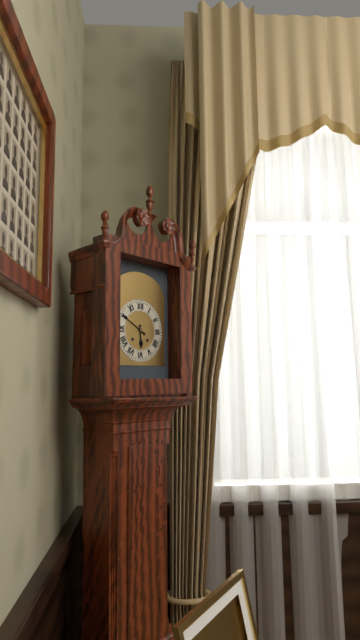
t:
5,50
